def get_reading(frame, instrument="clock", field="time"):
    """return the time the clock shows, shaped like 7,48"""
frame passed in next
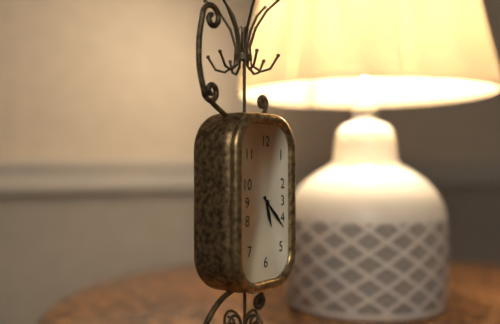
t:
5,22
